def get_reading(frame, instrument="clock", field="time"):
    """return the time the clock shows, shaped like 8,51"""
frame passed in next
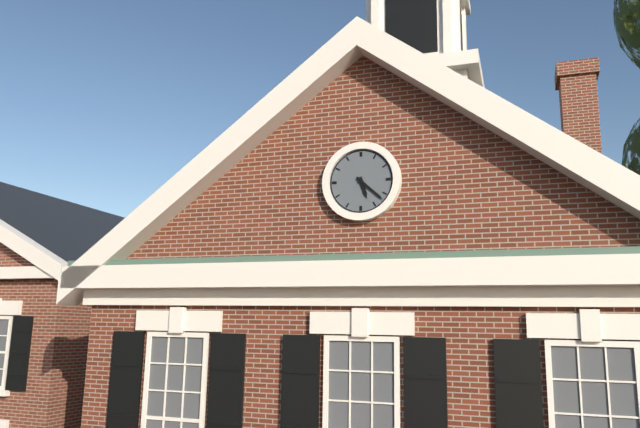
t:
5,22
